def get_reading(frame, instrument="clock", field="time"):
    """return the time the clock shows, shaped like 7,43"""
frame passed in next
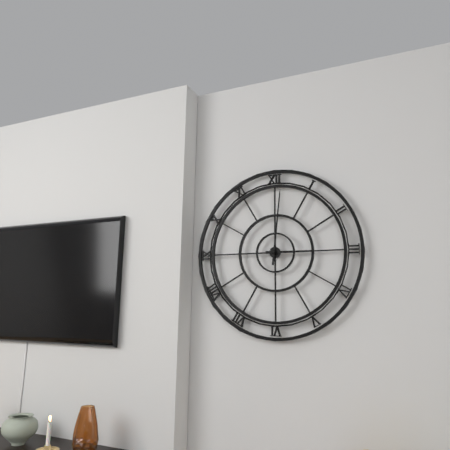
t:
3,01
